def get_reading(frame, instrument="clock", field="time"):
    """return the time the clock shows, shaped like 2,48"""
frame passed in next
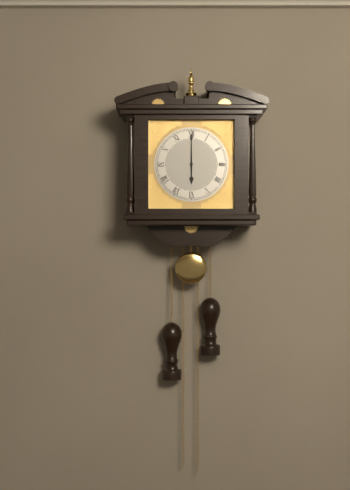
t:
6,00
